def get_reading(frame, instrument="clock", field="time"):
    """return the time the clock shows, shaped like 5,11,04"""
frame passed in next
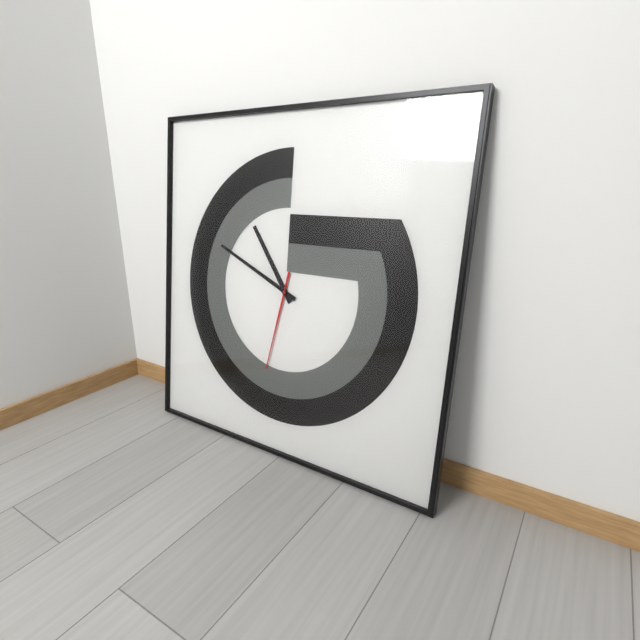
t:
10,49,32
